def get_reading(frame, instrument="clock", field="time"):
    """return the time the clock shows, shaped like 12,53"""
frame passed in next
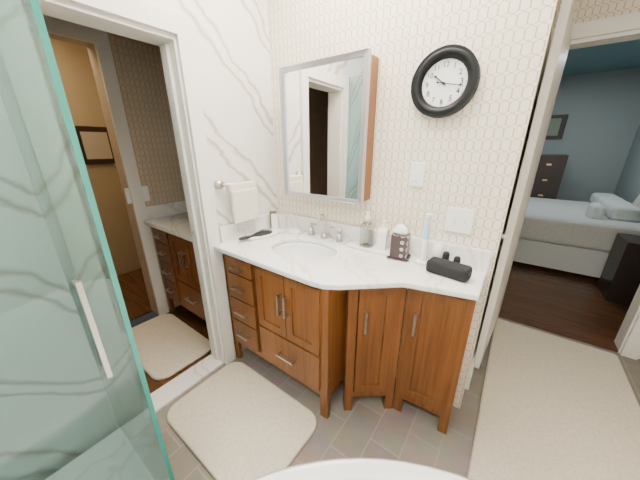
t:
10,17
